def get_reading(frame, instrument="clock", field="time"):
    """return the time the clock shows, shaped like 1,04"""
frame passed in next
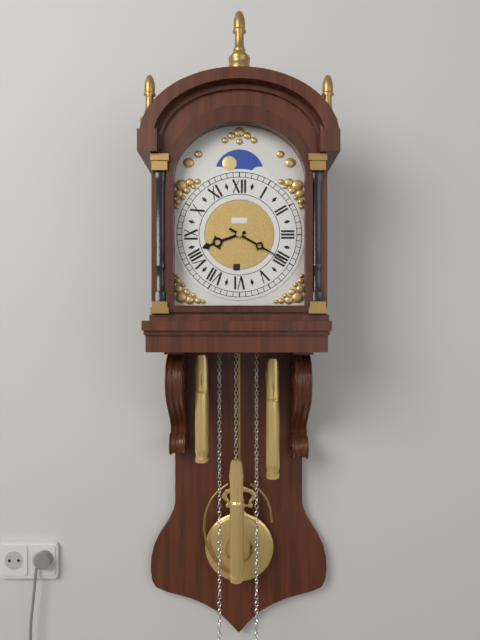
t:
8,20
